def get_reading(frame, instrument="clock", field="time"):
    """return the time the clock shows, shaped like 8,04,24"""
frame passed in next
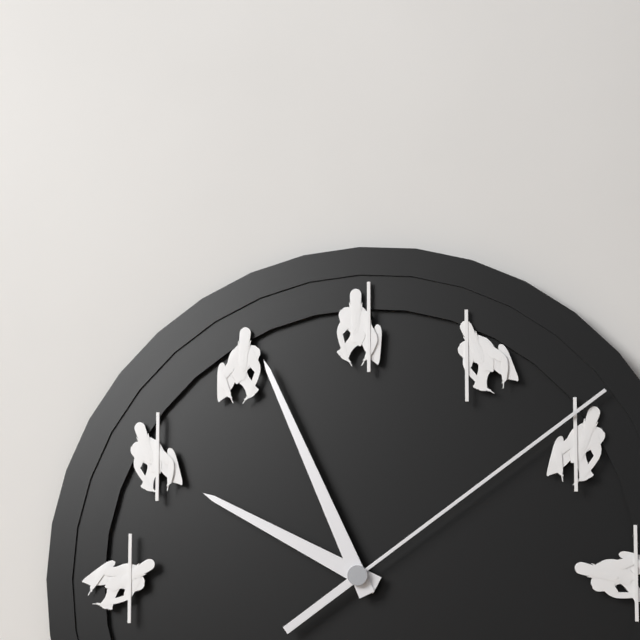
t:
9,56,09
